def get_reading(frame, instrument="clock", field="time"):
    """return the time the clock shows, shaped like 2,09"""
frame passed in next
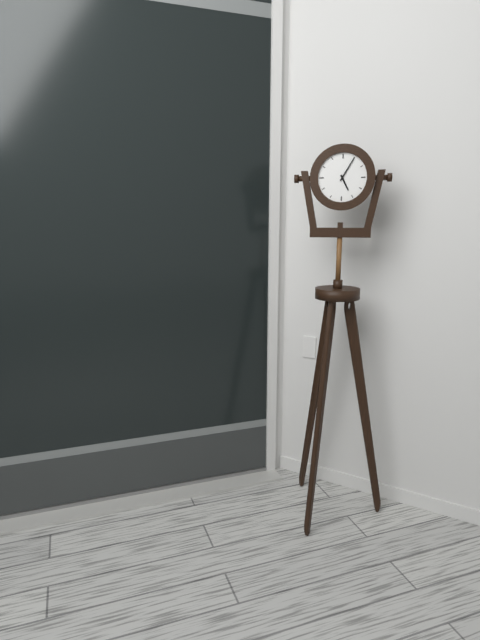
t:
5,05
